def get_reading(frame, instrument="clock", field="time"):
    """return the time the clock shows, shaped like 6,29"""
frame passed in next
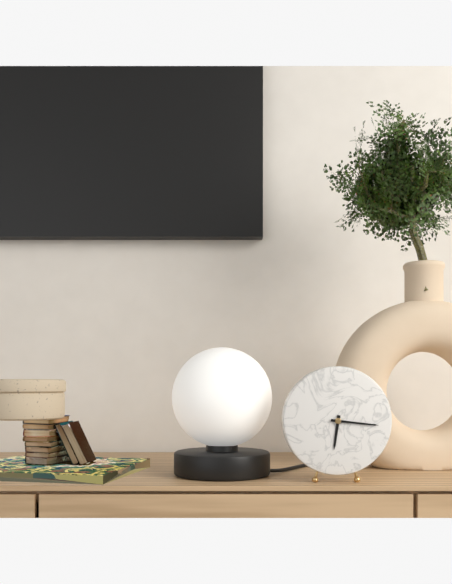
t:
6,16
